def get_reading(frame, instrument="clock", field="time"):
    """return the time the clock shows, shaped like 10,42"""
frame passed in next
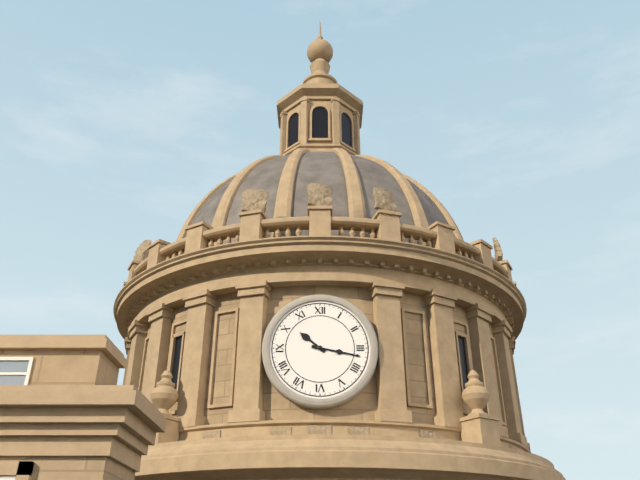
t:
10,17
